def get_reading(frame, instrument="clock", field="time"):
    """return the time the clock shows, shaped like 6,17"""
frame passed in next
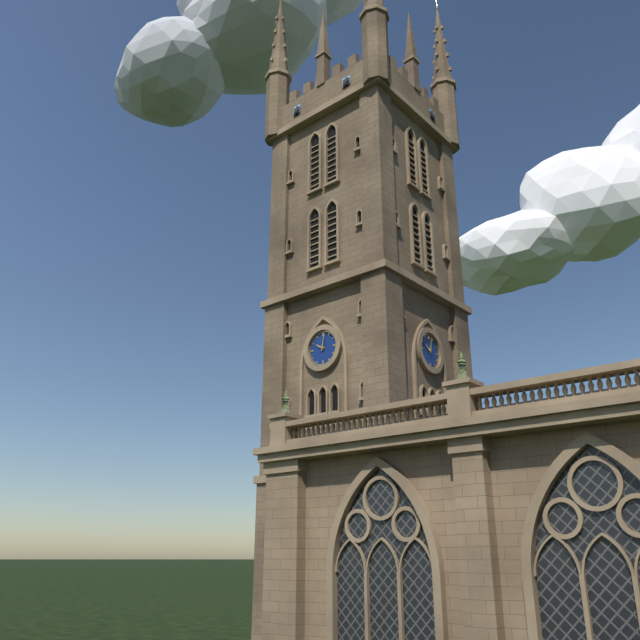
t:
10,02
